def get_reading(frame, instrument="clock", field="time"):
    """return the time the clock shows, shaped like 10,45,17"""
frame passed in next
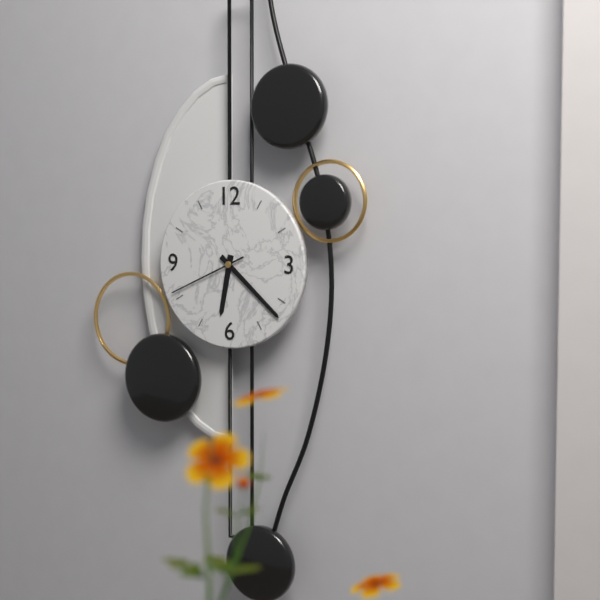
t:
6,22,41
